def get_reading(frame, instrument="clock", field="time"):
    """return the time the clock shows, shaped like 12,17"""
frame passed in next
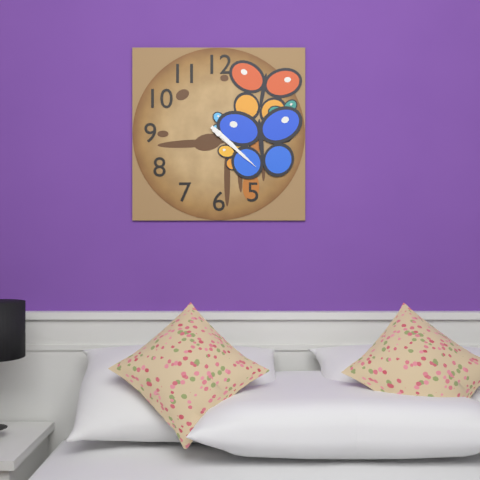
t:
4,22
